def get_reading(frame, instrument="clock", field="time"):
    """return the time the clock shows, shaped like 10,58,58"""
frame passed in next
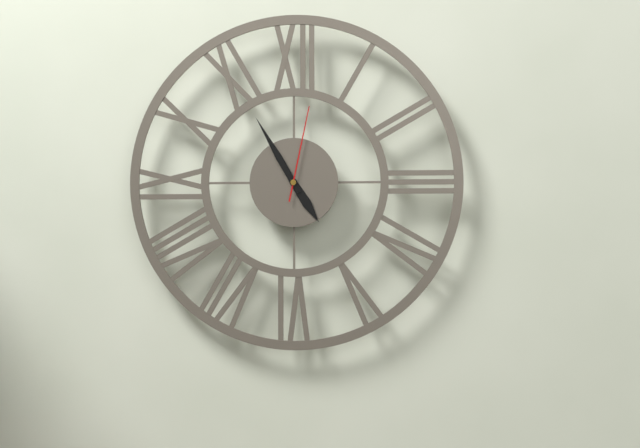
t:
4,55,02
